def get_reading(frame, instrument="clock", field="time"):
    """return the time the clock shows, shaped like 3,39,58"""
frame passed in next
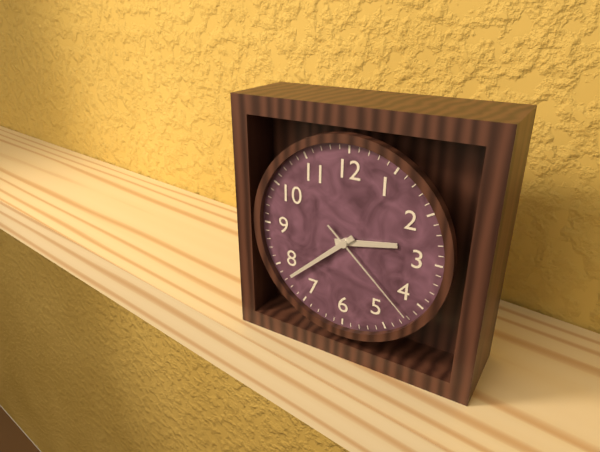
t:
2,38,22
